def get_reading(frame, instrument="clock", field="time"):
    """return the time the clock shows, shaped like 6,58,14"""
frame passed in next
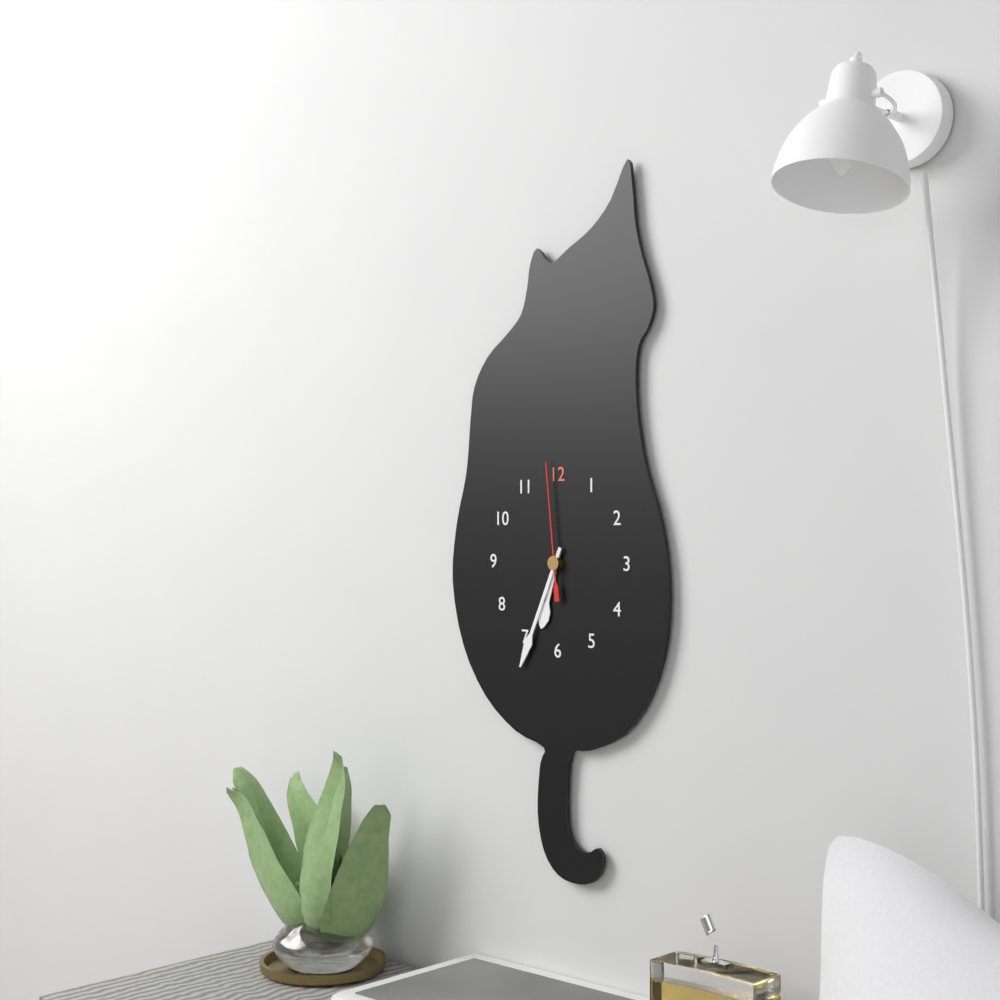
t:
6,34,59
